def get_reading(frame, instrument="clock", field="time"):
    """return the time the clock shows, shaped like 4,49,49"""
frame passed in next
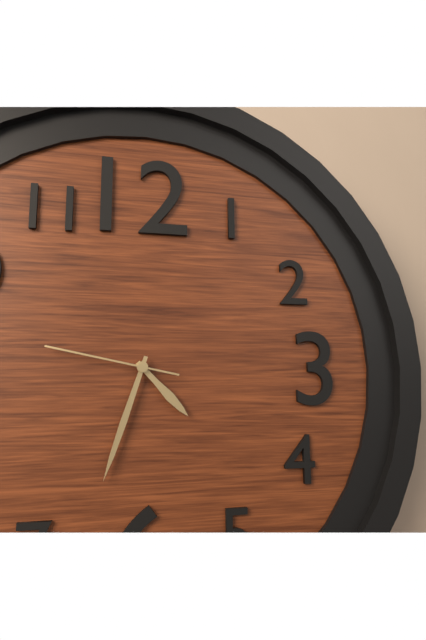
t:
4,33,47
